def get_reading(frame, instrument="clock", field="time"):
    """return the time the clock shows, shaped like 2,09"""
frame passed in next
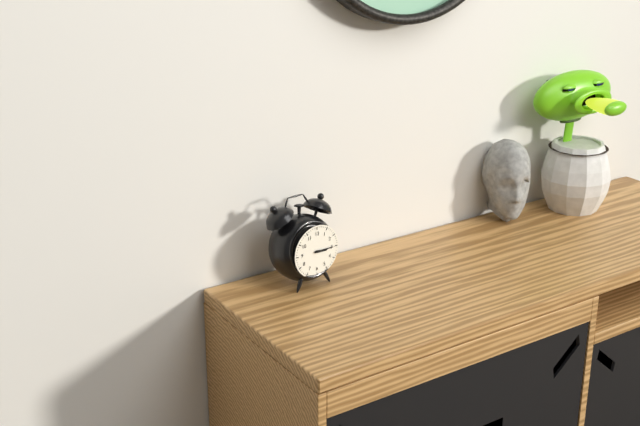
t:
3,15
